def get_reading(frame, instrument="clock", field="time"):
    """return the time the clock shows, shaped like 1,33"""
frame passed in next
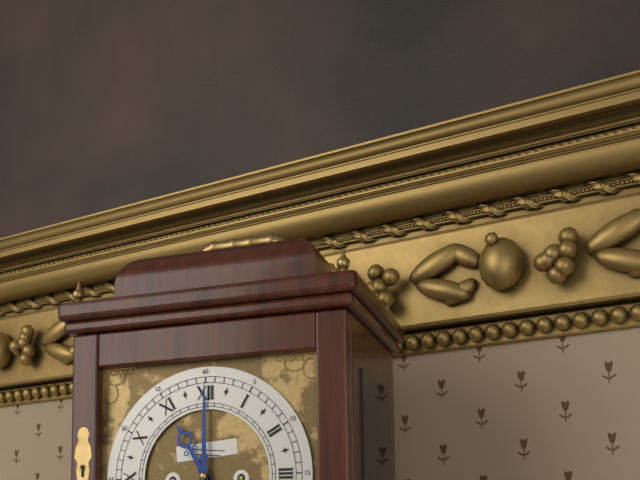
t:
11,00
